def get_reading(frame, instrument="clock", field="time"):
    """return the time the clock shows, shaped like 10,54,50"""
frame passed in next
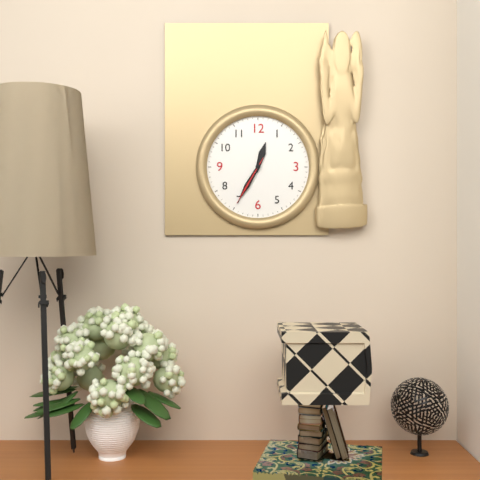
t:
12,35,35
